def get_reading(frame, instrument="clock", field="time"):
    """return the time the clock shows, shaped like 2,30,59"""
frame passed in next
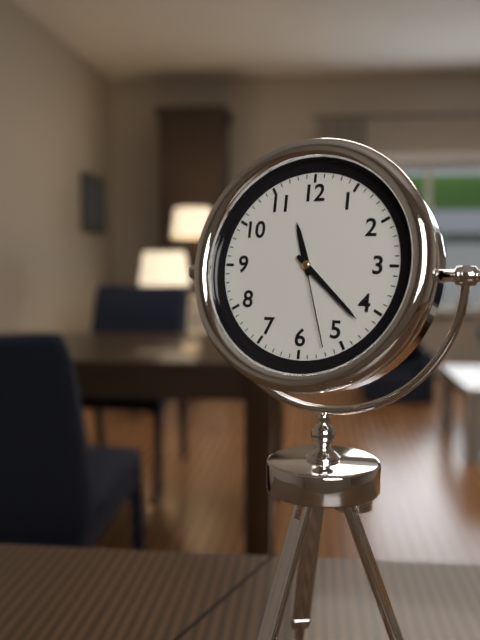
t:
11,22,27
